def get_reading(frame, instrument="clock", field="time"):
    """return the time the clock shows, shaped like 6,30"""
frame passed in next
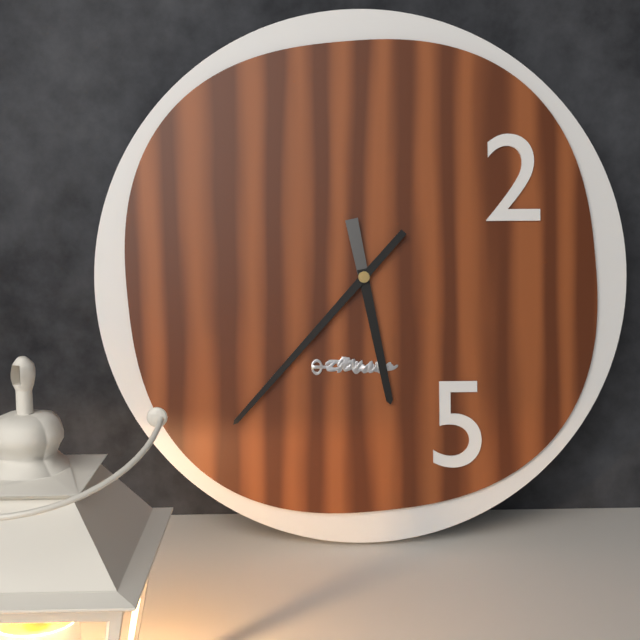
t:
5,37
